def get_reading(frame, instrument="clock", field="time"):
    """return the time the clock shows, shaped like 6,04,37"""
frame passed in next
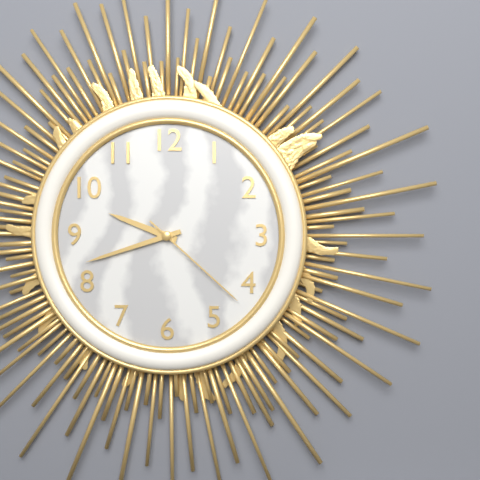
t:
9,42,22
